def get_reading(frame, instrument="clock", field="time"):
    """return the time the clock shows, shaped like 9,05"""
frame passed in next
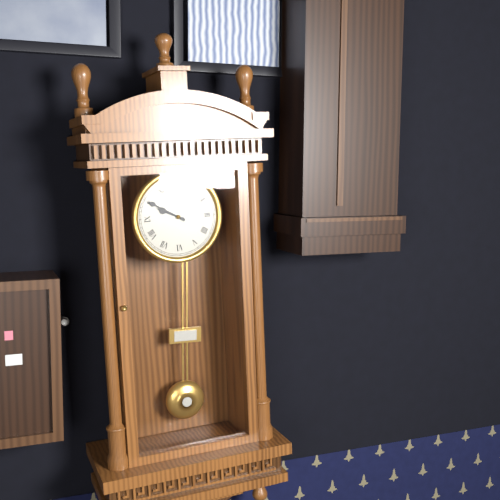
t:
9,50
